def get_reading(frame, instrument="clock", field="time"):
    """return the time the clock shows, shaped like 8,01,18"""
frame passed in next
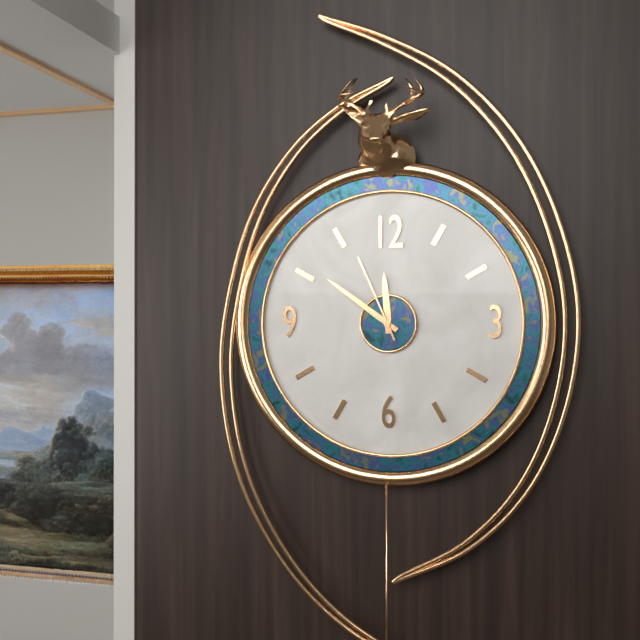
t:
11,51,56
